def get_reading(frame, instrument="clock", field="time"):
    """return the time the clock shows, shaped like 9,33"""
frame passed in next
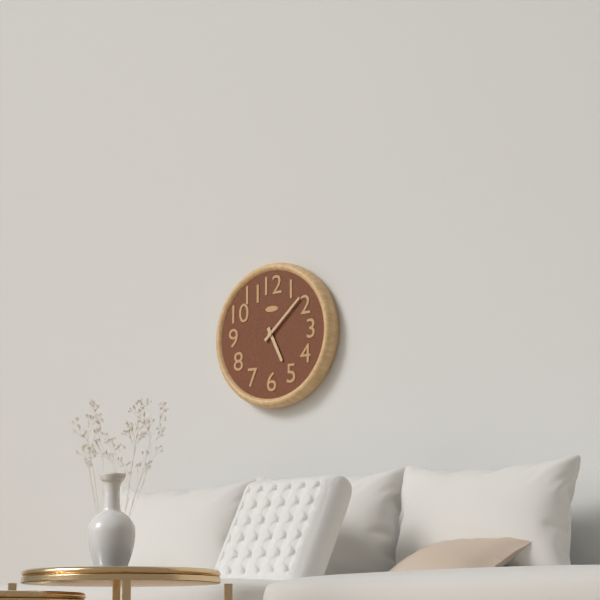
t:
5,08
